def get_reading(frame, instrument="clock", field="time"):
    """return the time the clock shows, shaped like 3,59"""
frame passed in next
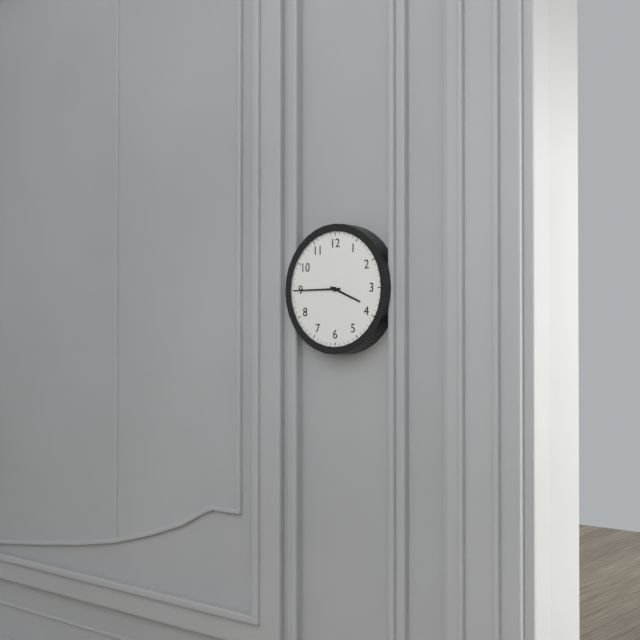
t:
3,45
